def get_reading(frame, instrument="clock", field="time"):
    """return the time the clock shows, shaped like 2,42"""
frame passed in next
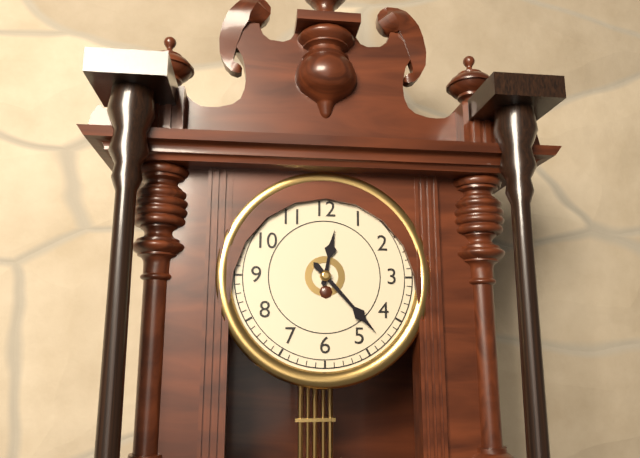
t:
12,23
